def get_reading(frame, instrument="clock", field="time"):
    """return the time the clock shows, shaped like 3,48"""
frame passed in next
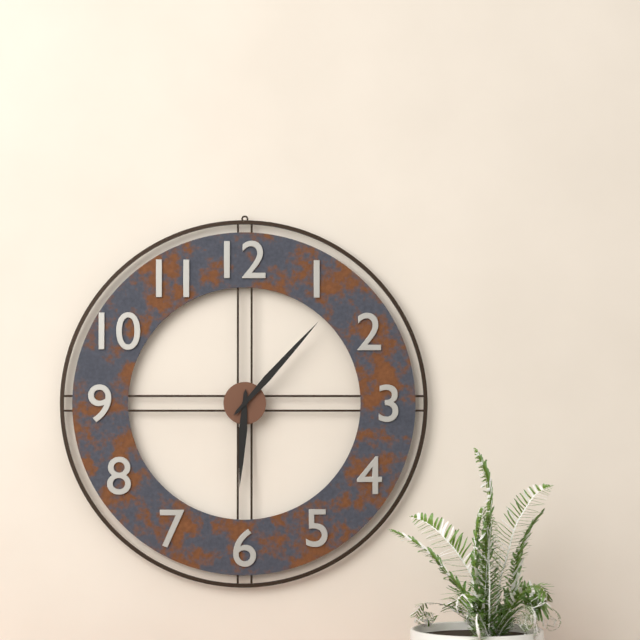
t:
6,07
